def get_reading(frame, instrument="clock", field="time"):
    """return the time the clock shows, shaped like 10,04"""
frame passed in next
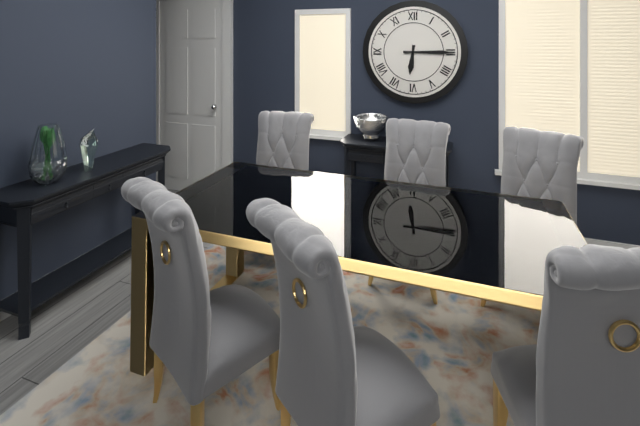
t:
6,15
